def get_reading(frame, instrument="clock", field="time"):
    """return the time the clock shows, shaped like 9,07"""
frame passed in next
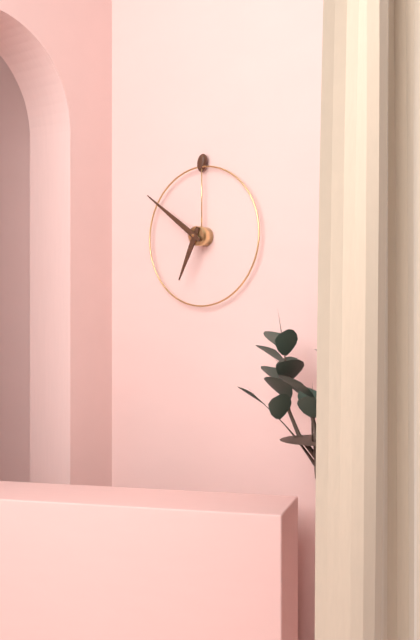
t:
6,51
